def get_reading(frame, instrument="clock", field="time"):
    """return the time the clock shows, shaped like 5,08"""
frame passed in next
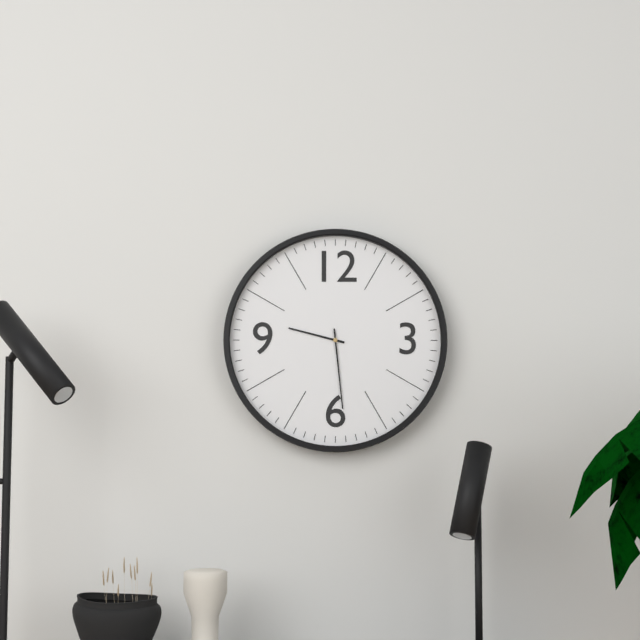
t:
9,29
